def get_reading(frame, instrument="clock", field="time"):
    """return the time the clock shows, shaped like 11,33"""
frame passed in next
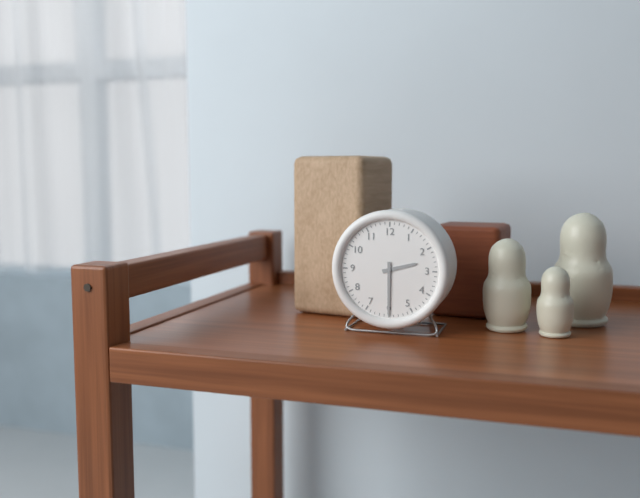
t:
2,30
